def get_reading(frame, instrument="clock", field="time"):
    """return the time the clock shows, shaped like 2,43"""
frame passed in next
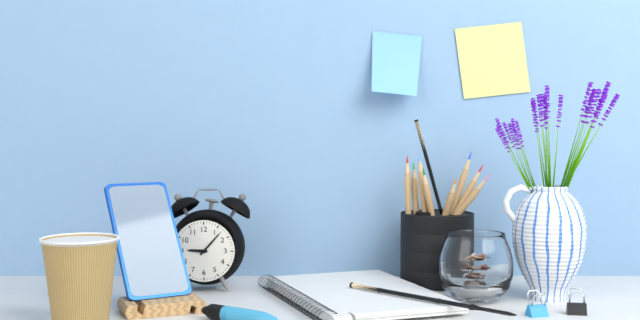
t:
9,07
